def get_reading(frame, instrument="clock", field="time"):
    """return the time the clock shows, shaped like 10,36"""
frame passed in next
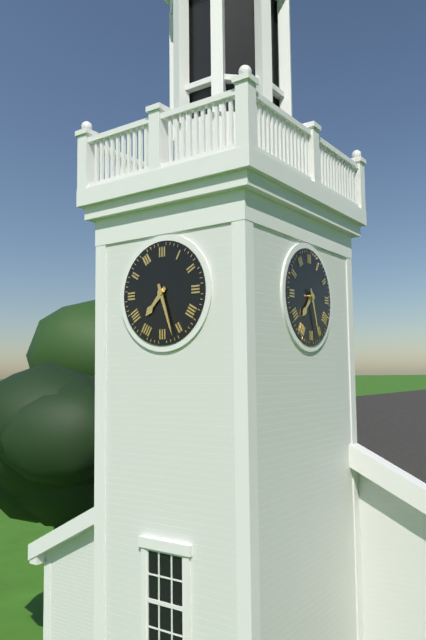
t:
7,27
